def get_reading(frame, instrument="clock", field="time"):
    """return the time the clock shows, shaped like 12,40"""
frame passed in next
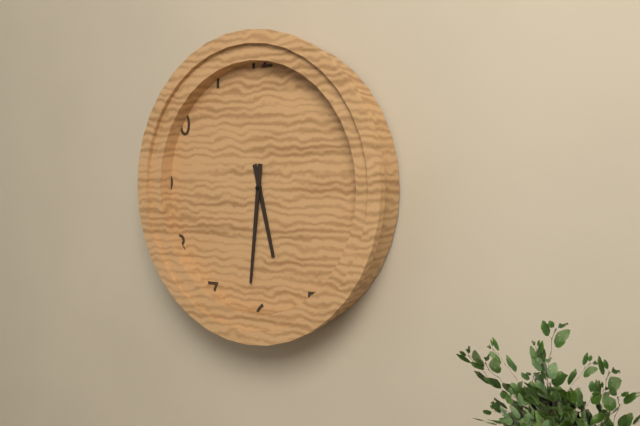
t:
5,31
